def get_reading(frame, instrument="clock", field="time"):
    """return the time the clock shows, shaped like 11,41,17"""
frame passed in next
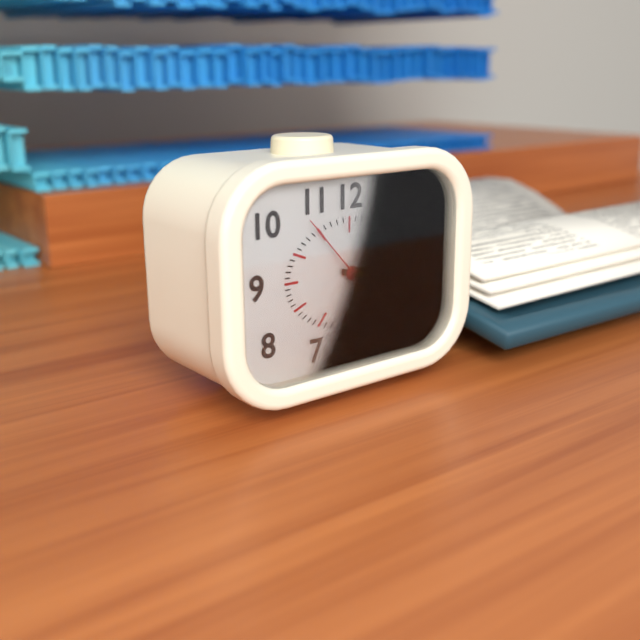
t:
3,18,53
